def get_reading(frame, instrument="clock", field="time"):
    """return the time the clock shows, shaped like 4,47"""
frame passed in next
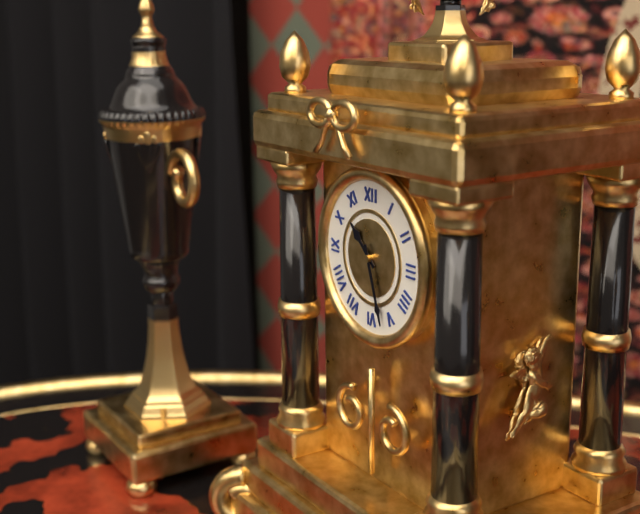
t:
10,27
